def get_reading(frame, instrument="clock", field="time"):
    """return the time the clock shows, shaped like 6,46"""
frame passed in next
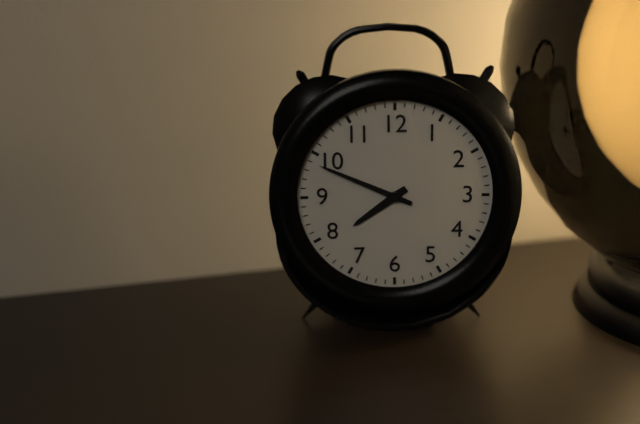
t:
7,49
